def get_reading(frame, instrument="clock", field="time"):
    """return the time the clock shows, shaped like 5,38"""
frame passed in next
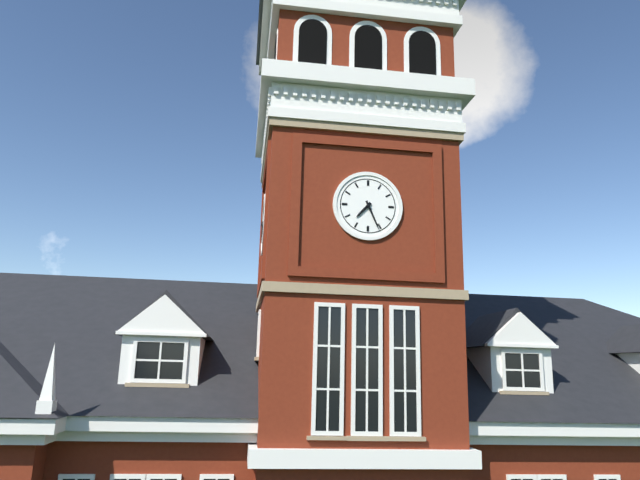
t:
7,26
